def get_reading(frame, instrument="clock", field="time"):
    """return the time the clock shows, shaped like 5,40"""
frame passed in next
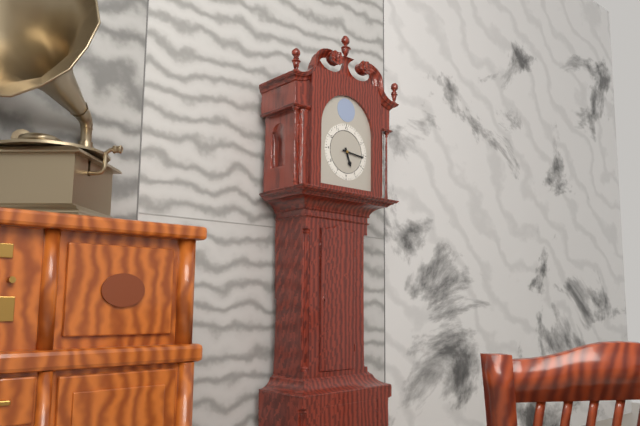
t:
5,16
